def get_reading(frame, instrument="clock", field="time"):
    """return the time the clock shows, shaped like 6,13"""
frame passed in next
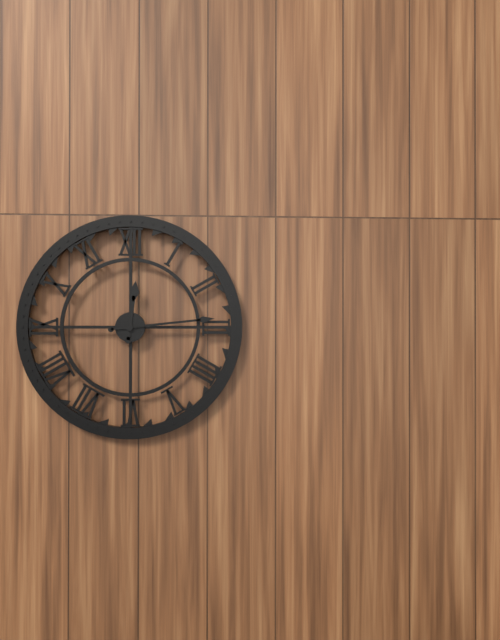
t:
12,14
